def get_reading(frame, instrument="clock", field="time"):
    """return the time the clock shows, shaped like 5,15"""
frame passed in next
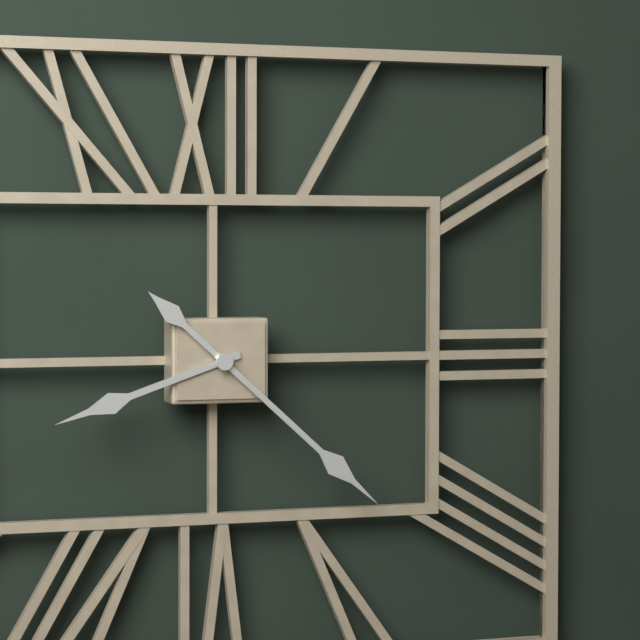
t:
8,22
